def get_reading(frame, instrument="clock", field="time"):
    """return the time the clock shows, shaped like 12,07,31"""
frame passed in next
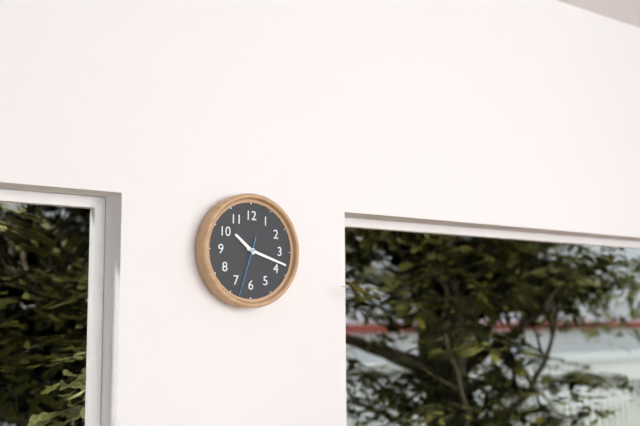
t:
10,18,33
